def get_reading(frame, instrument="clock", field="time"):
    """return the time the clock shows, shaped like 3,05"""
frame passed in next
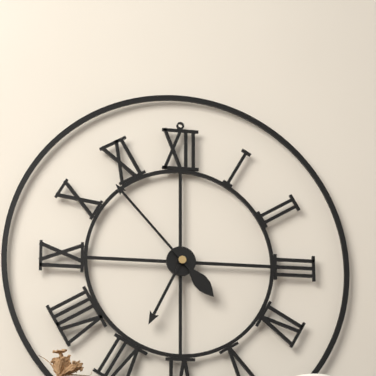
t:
6,53
